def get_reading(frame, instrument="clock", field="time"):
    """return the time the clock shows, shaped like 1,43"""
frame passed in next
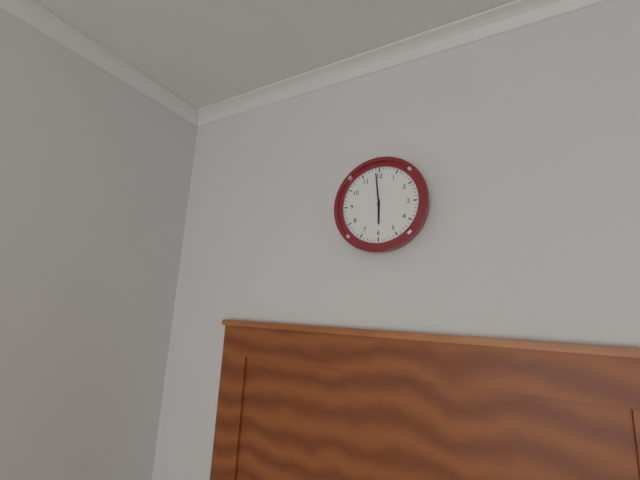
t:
5,59
